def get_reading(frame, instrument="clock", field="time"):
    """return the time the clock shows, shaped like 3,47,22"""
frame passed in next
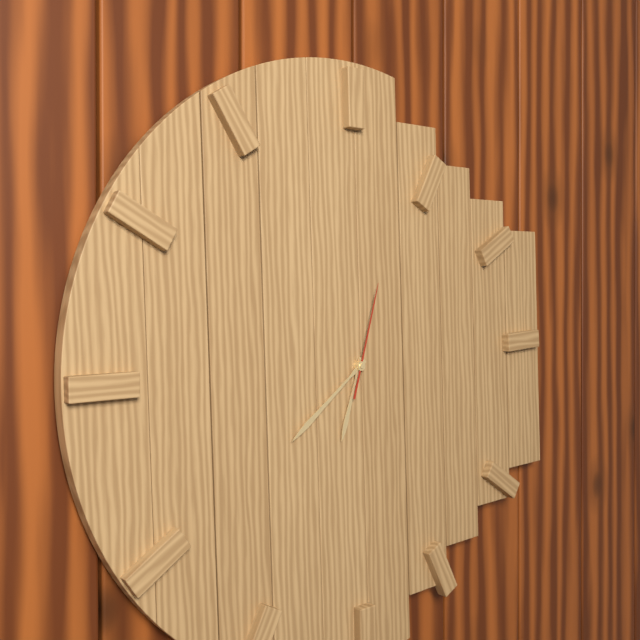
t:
6,39,03
